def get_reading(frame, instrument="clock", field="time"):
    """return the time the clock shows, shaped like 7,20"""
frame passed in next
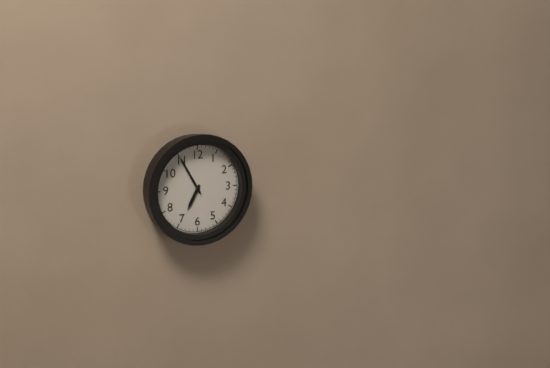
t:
6,55
